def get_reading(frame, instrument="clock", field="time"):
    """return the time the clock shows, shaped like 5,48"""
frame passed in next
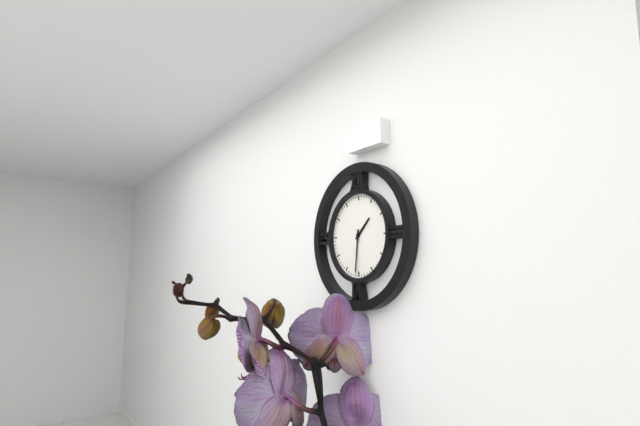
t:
1,31
